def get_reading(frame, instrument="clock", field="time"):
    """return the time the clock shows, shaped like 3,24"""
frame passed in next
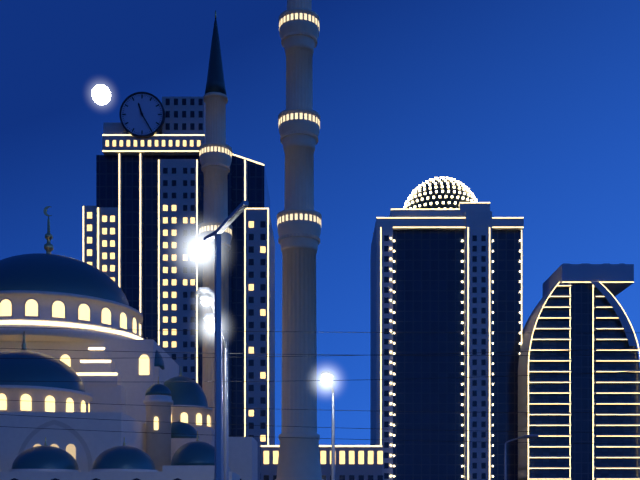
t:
11,25
